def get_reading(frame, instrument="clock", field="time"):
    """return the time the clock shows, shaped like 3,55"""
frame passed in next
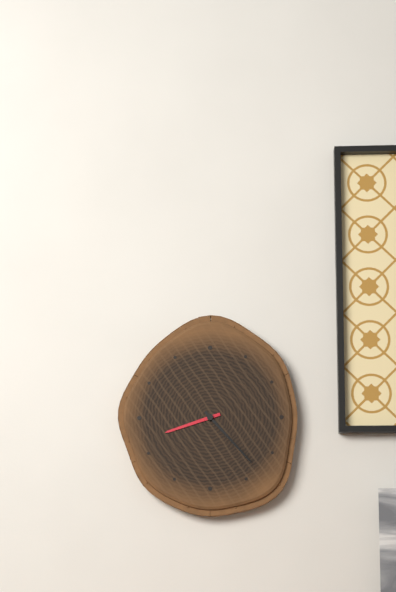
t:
8,23
